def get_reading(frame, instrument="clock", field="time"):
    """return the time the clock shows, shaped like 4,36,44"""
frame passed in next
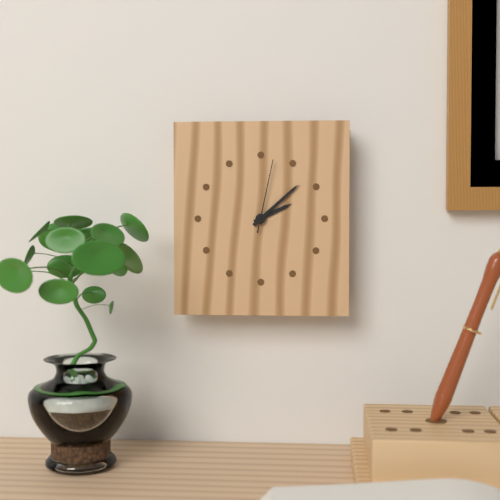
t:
2,08,02
